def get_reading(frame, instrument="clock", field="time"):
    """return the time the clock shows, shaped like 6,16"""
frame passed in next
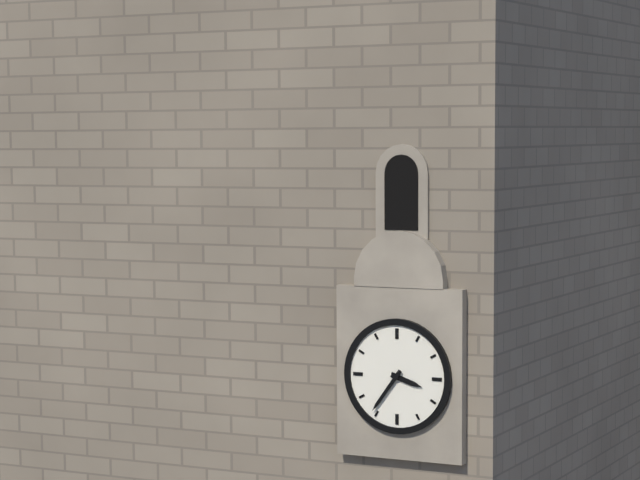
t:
3,36
